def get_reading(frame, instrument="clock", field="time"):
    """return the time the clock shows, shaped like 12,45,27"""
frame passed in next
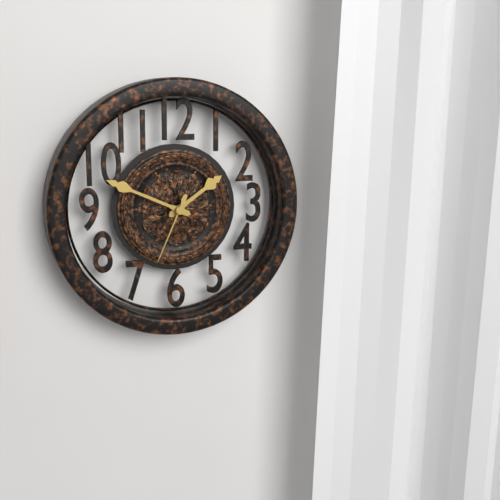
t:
1,49,34
